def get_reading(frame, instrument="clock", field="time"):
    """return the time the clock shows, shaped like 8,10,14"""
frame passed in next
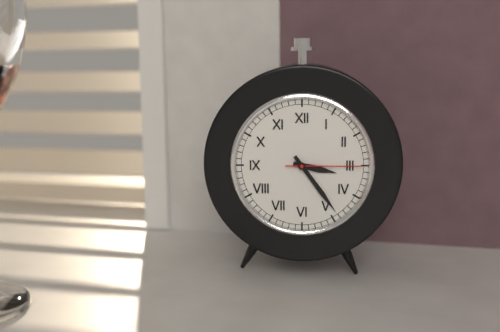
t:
3,24,15
